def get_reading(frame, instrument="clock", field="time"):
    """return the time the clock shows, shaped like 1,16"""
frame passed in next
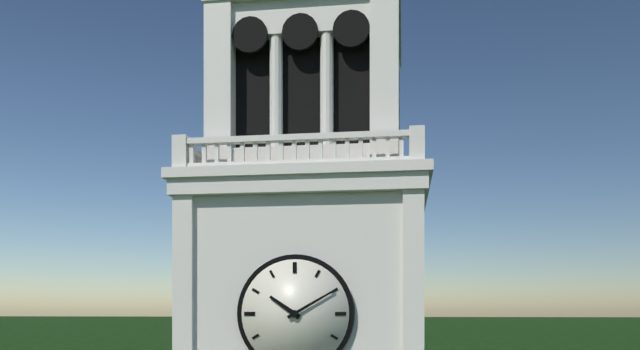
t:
10,10
